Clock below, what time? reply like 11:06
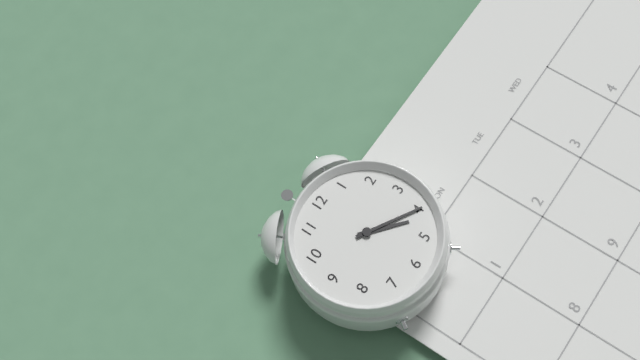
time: 4:20
